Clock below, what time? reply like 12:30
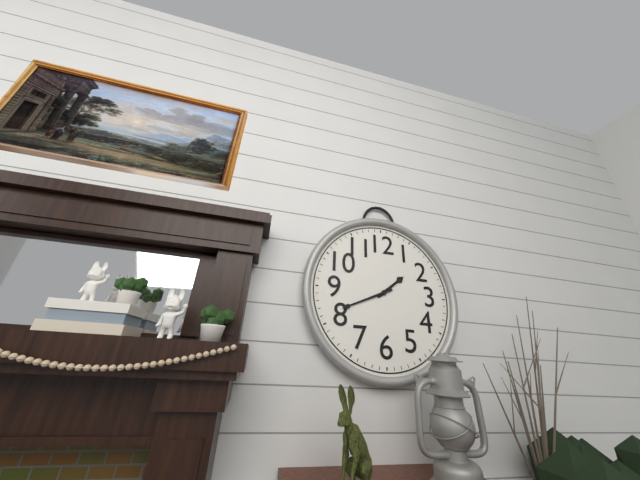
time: 1:41
